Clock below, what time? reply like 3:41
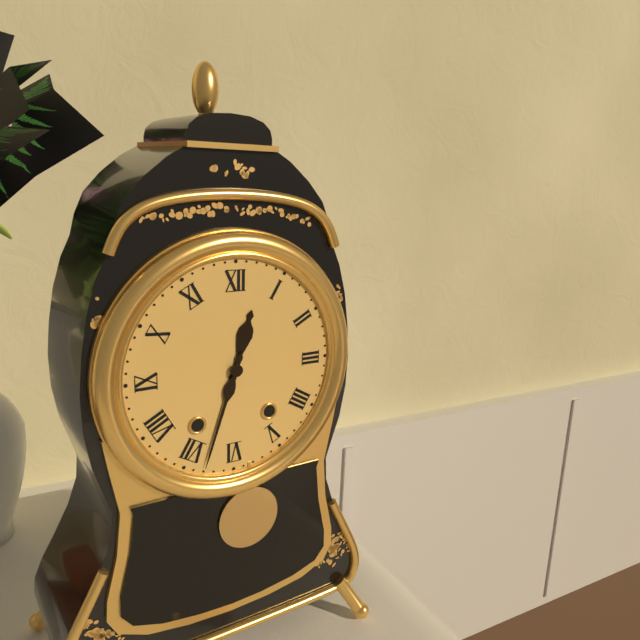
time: 12:33
